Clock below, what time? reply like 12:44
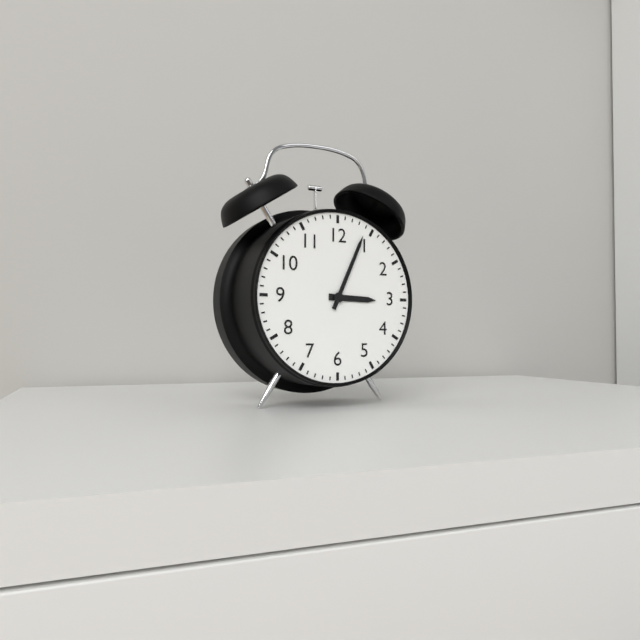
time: 3:04
